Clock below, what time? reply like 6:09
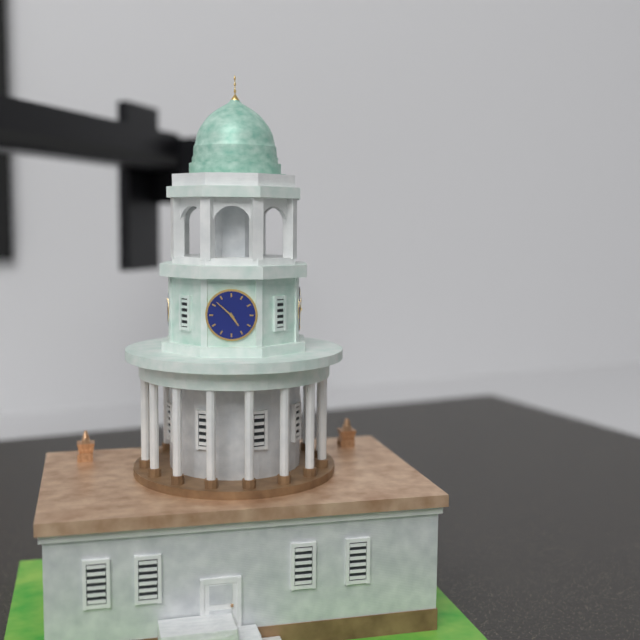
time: 4:52
